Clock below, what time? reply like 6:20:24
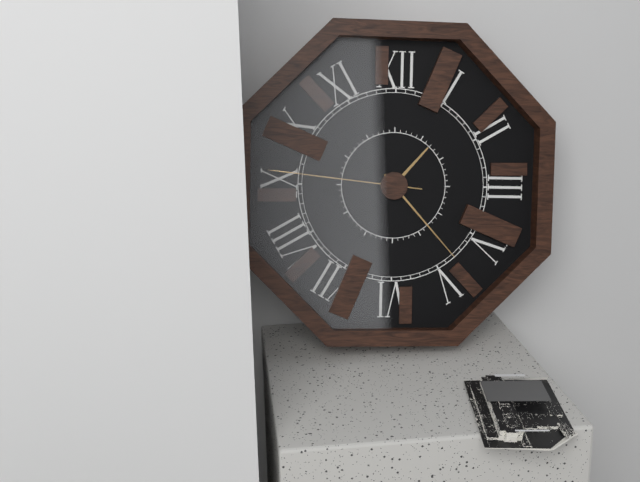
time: 1:23:46
